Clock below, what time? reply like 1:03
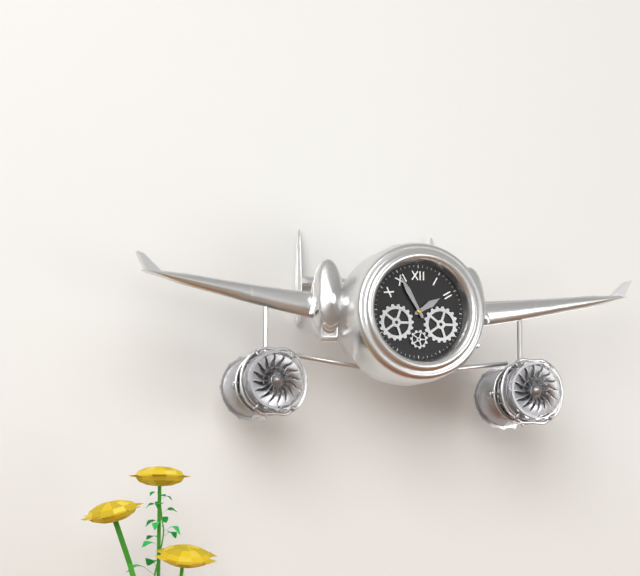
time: 1:55
